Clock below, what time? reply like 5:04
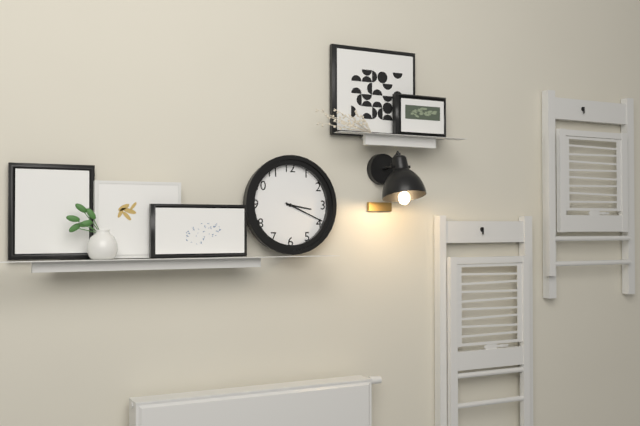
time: 3:19
